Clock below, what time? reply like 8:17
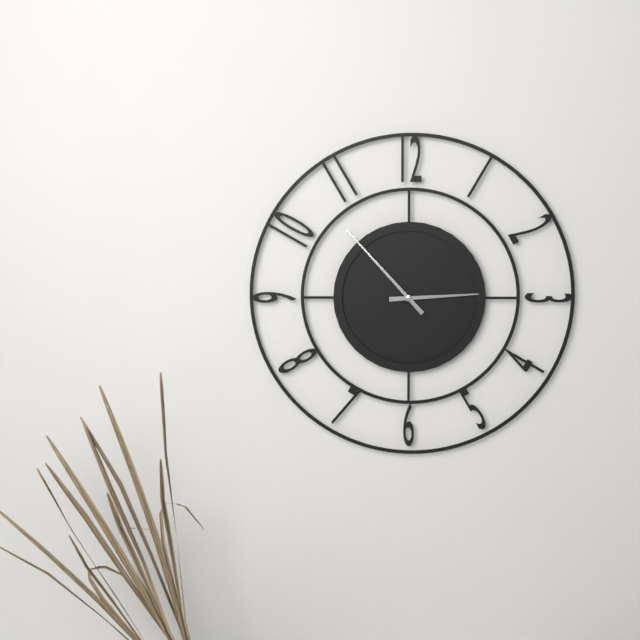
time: 2:53
